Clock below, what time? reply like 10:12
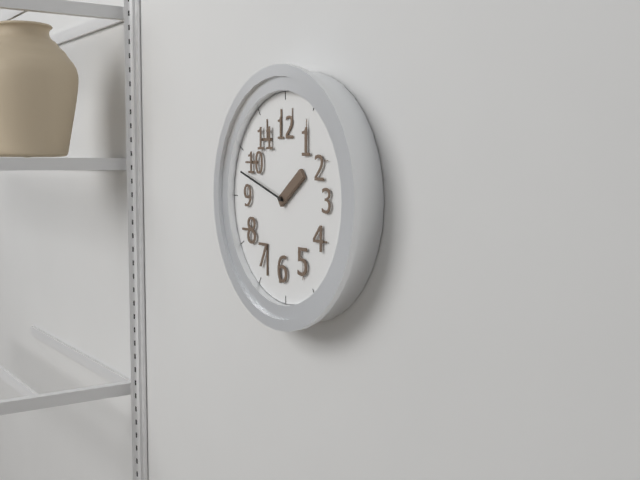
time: 1:48
